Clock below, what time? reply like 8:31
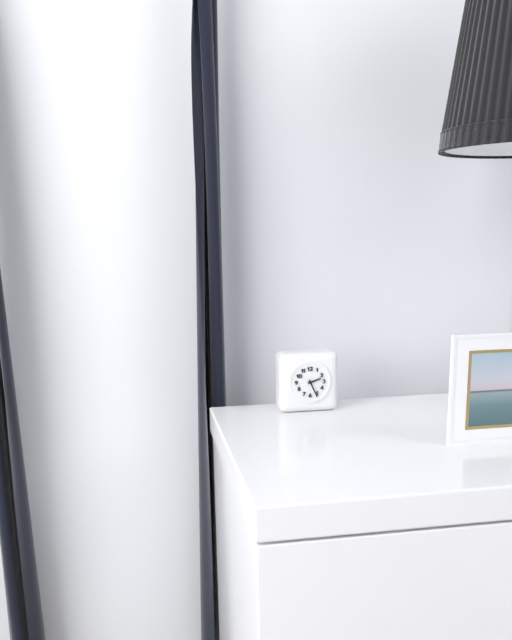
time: 2:26
